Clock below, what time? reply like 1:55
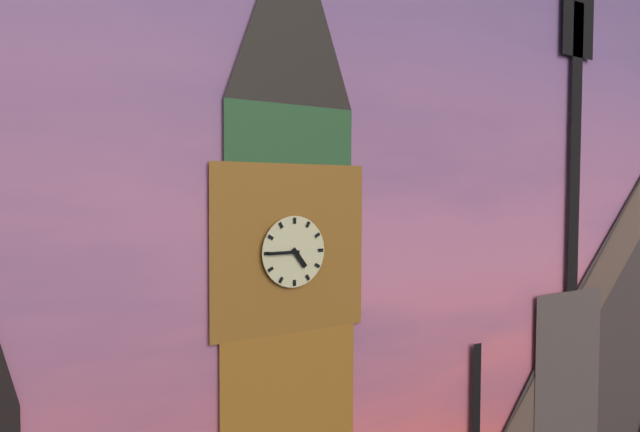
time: 4:45
